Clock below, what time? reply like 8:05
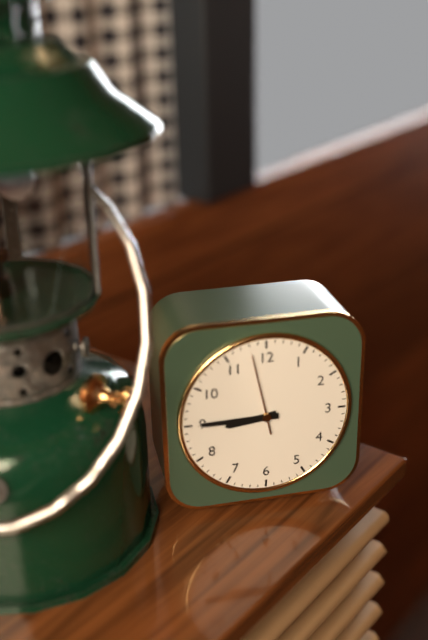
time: 8:45
